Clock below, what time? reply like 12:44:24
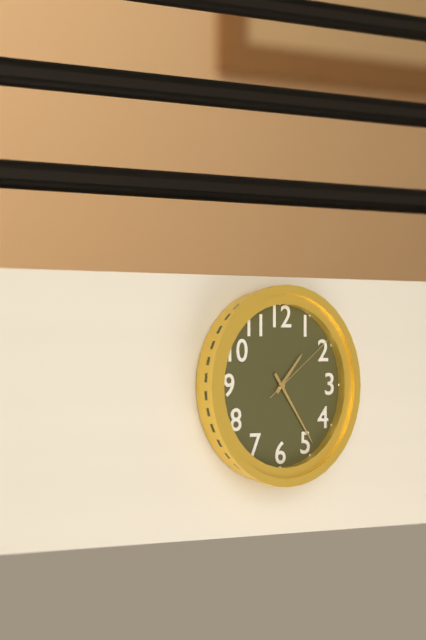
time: 1:24:09
